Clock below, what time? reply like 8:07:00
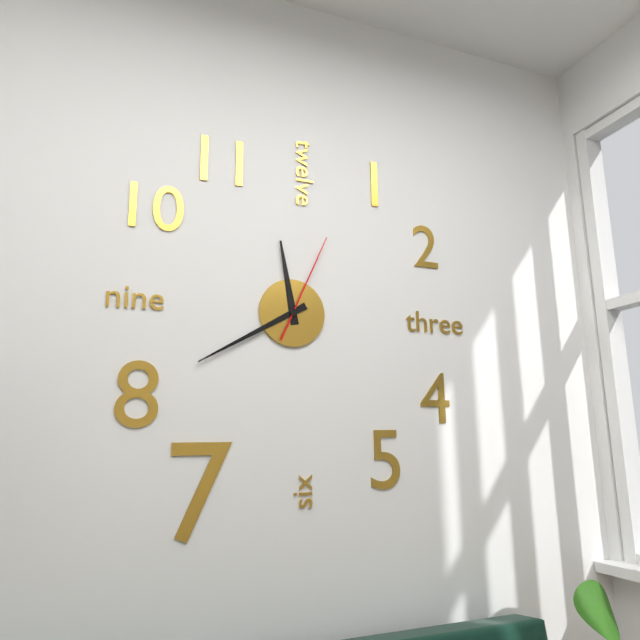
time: 11:40:04
